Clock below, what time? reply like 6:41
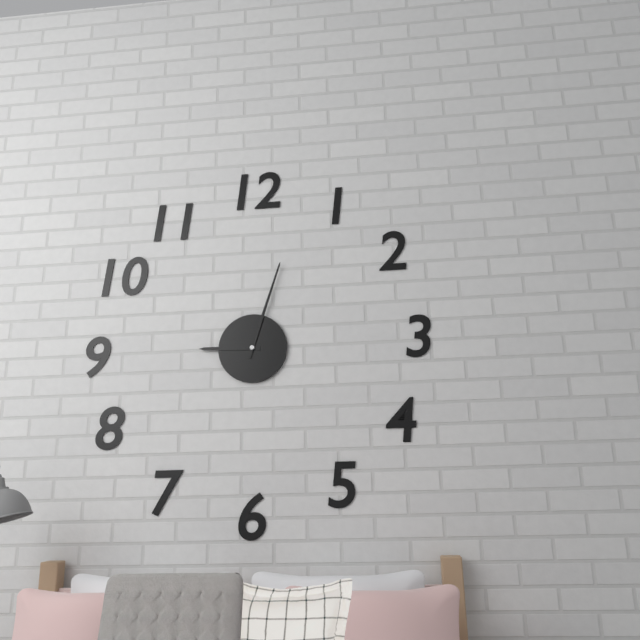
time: 9:03
